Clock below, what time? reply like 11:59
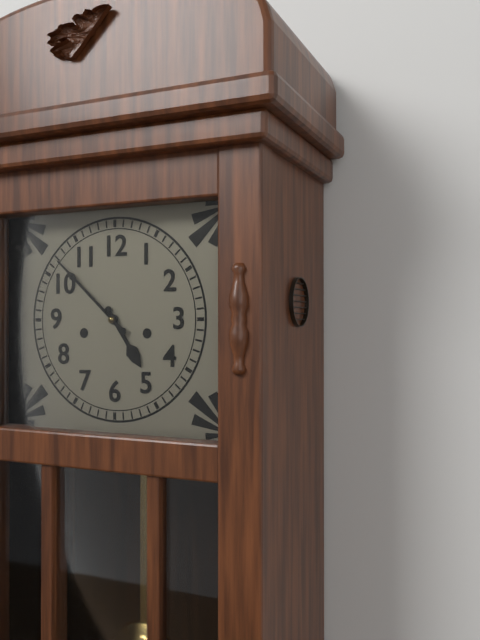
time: 4:52
